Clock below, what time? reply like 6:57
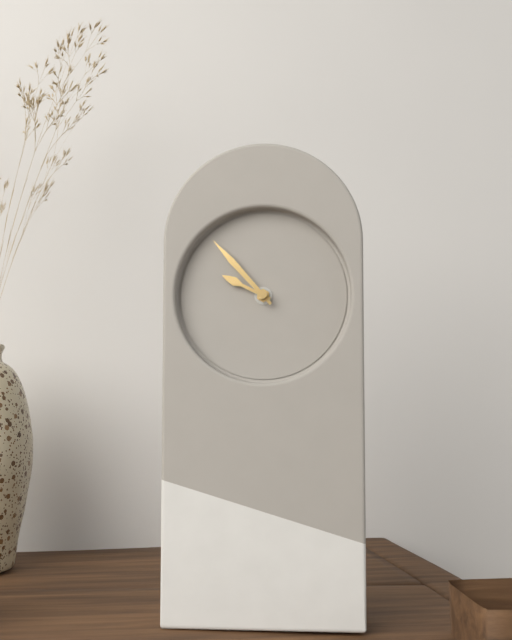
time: 9:53
